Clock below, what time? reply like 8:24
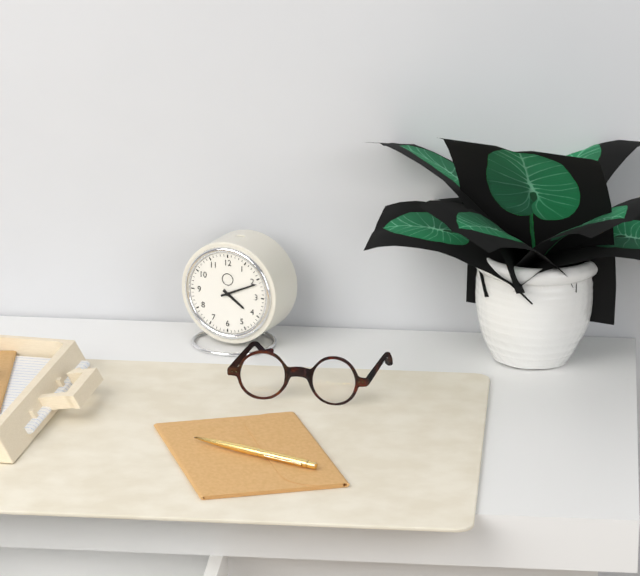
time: 4:11
